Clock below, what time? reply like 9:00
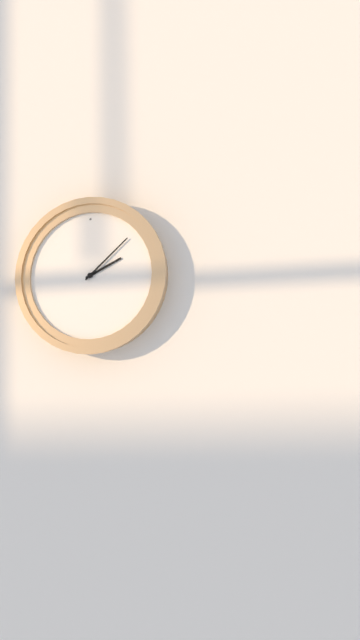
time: 2:08
